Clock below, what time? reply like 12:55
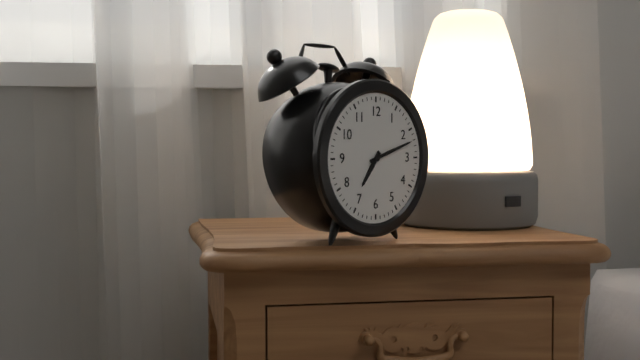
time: 7:12
